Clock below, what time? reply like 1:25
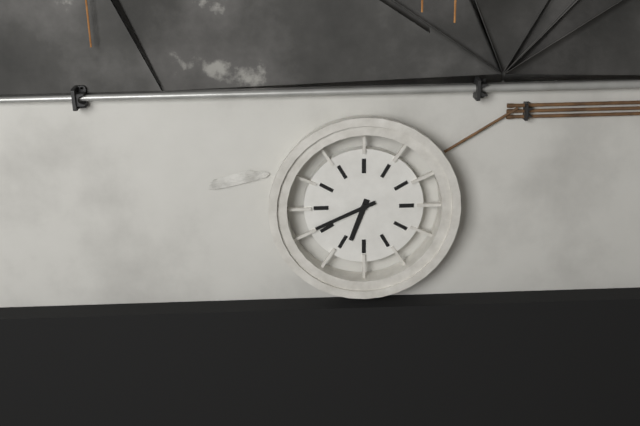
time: 6:41
